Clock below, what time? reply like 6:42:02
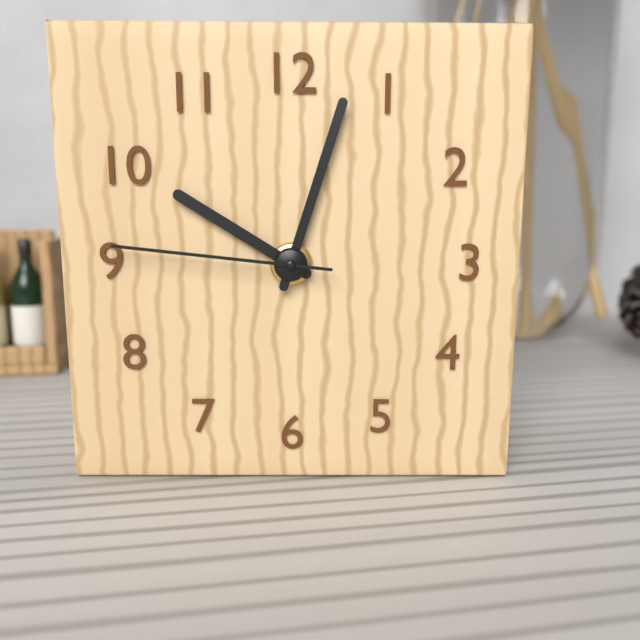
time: 10:03:46
